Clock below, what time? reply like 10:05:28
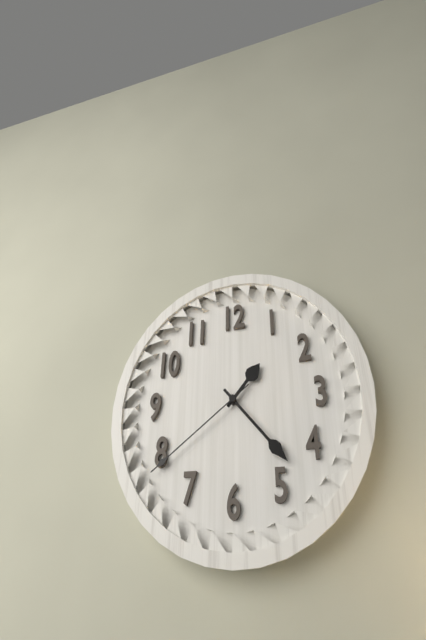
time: 1:23:39
